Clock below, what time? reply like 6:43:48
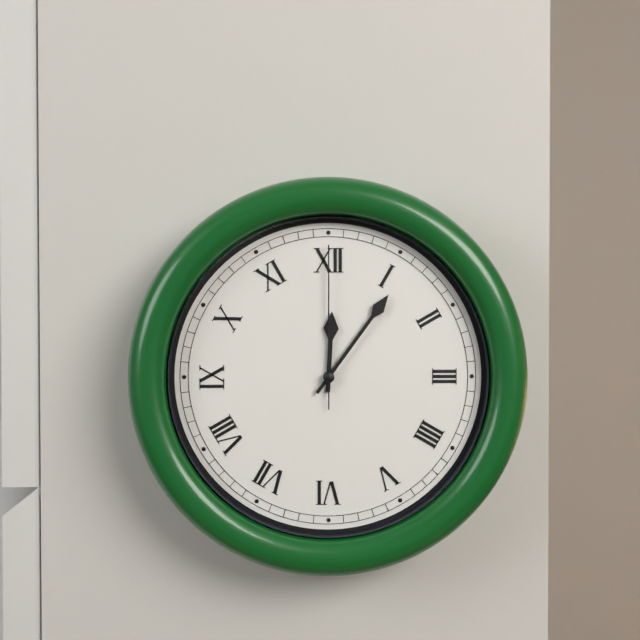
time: 12:06:00
